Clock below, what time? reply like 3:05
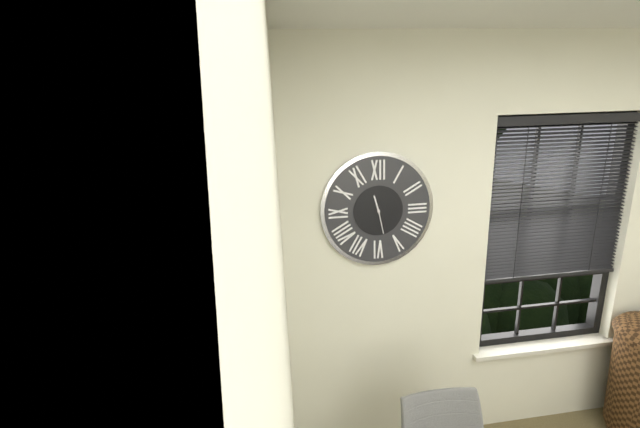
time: 11:28
